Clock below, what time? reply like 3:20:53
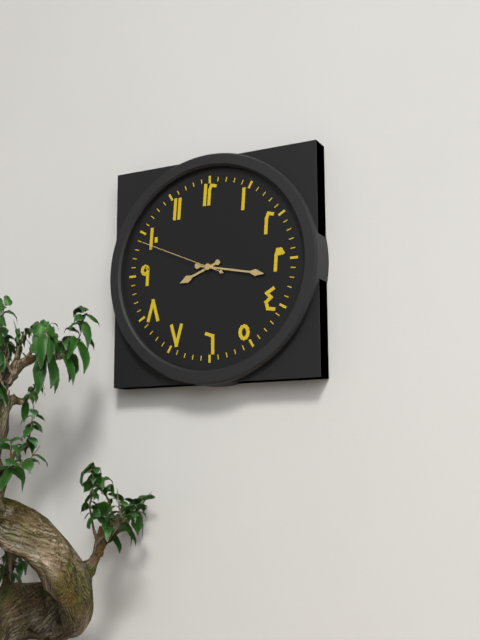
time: 8:17:49
